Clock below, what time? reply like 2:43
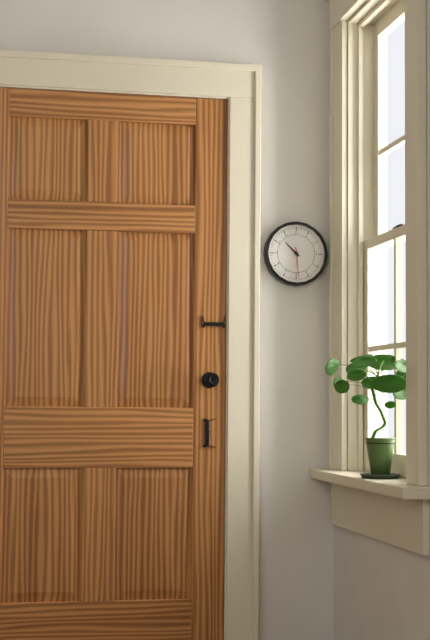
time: 10:29
